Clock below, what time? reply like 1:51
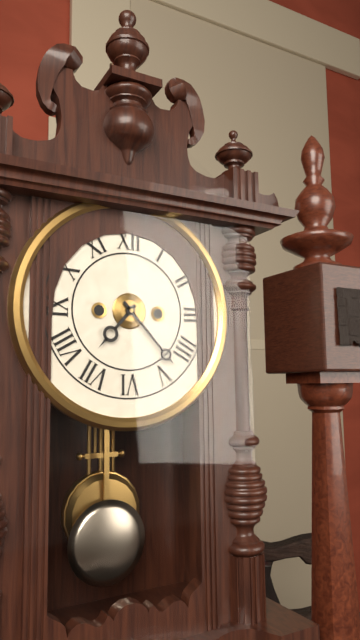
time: 7:23
